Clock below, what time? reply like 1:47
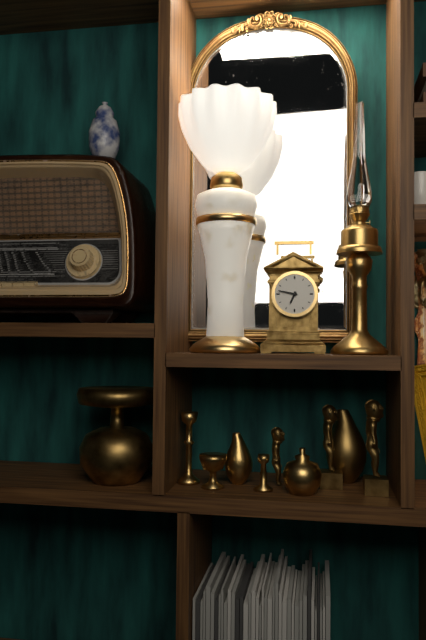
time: 6:47
